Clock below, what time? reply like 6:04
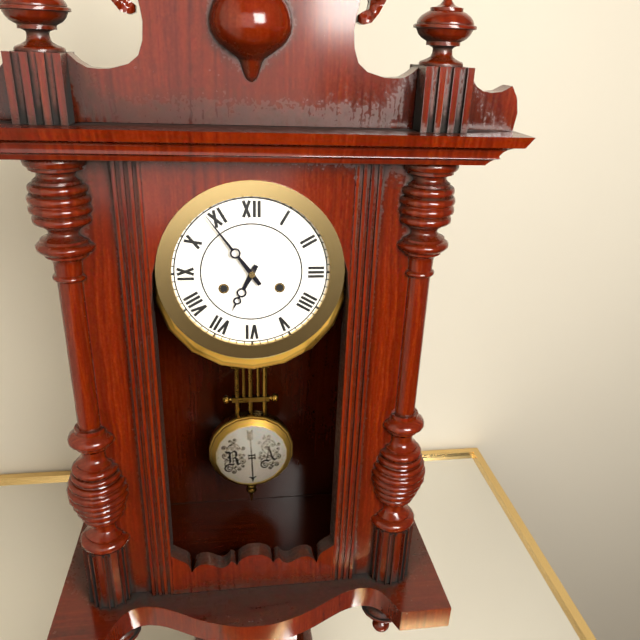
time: 6:54
